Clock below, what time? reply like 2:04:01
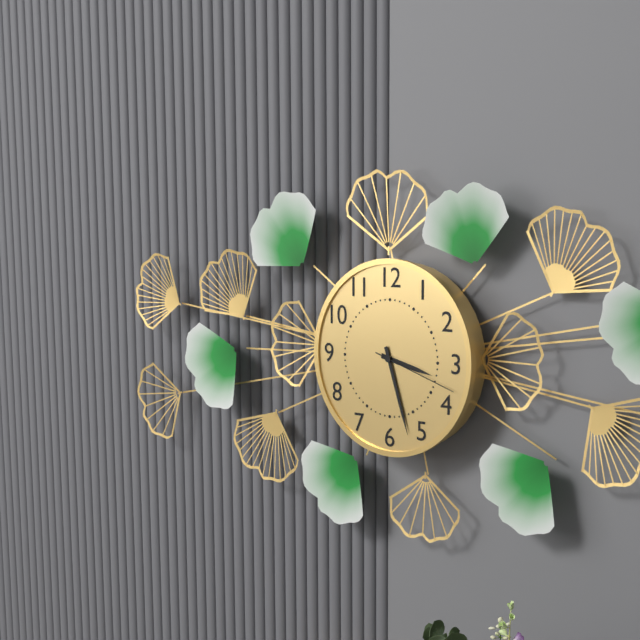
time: 3:27:18
